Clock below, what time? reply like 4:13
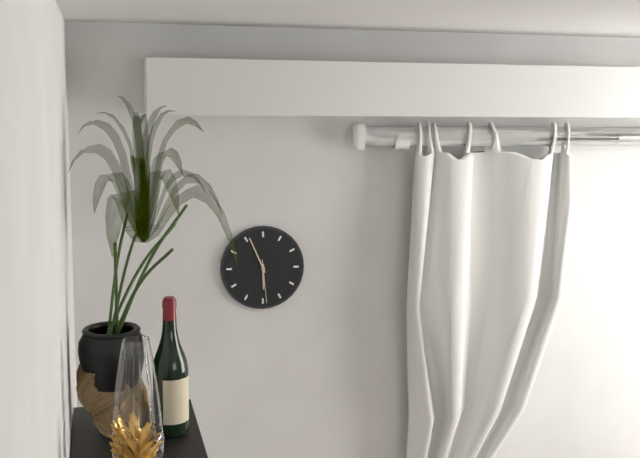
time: 5:56
